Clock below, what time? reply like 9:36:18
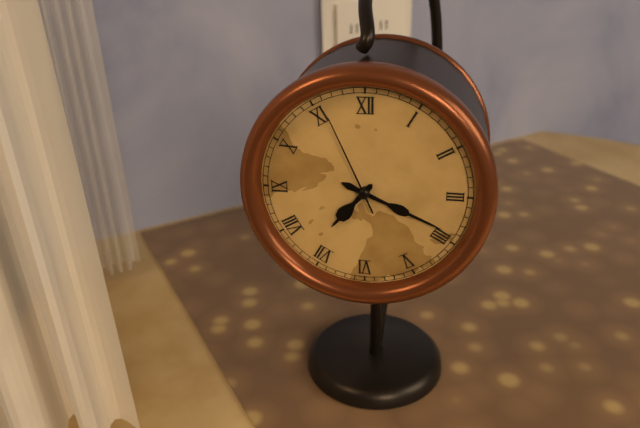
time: 7:19:56
